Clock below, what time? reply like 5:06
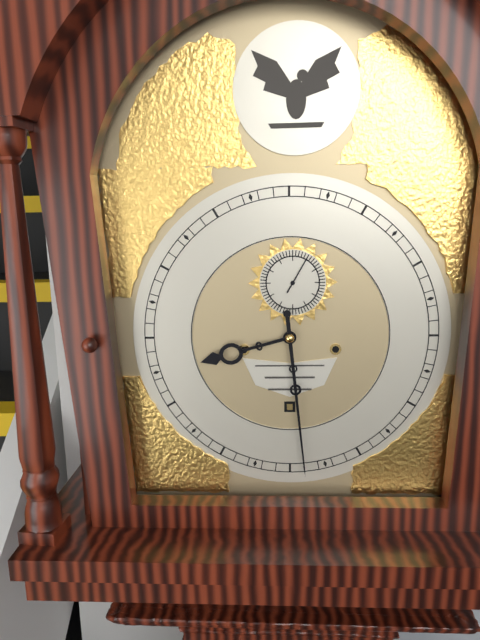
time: 8:29
